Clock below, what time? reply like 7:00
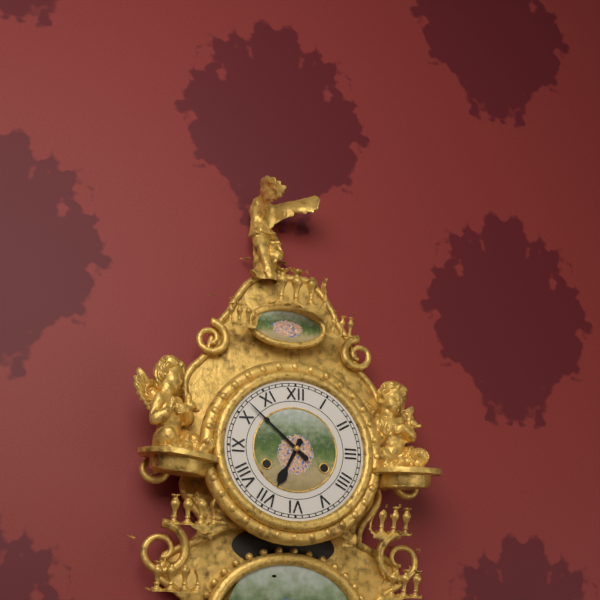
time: 6:52
